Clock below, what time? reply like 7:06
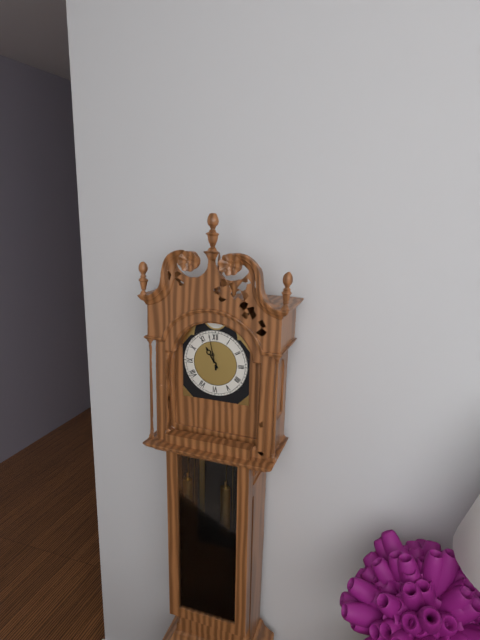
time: 10:58
